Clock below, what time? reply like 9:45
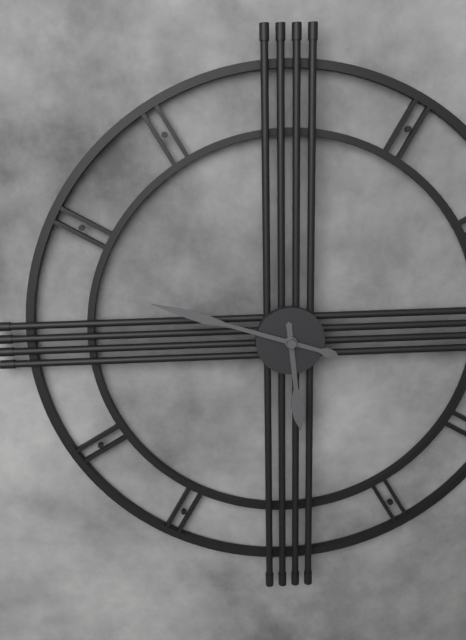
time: 5:48
